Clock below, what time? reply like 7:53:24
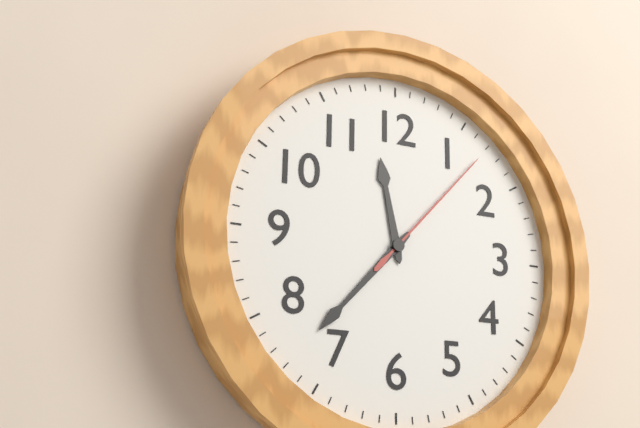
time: 11:37:07
